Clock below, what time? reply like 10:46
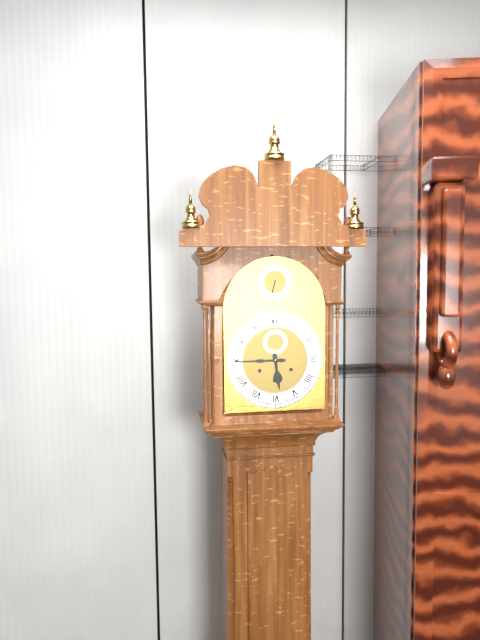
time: 5:45
